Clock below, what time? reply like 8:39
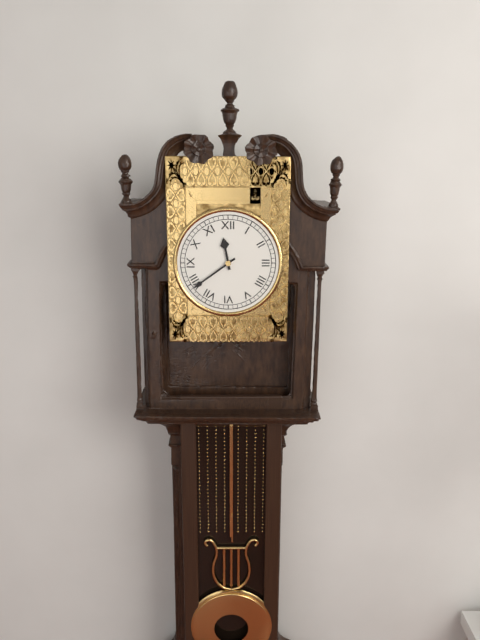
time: 11:39
